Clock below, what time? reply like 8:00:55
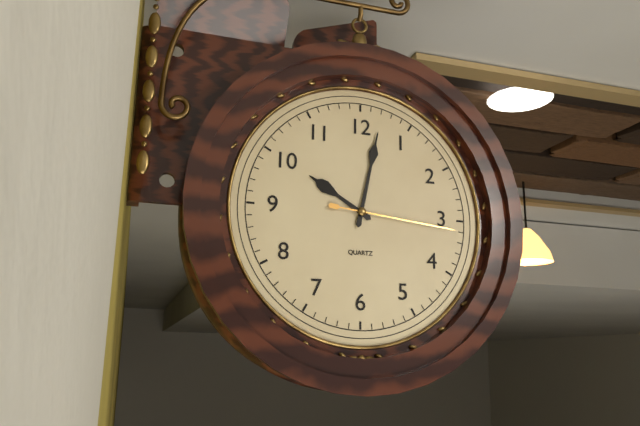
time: 10:02:16
